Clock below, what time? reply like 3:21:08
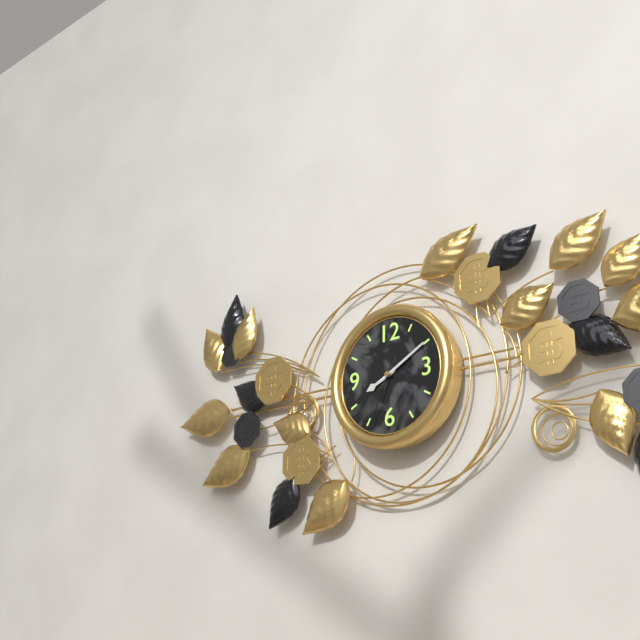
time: 8:10:34
